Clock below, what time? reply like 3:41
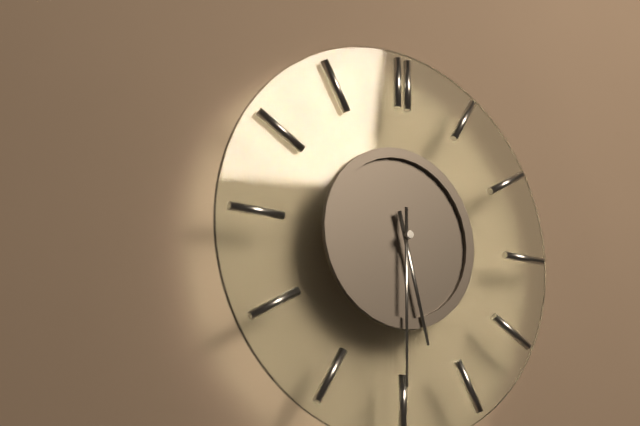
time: 5:30
